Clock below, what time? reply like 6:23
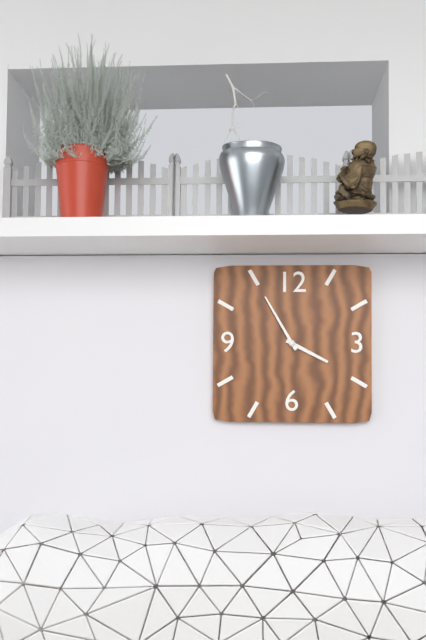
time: 3:55
